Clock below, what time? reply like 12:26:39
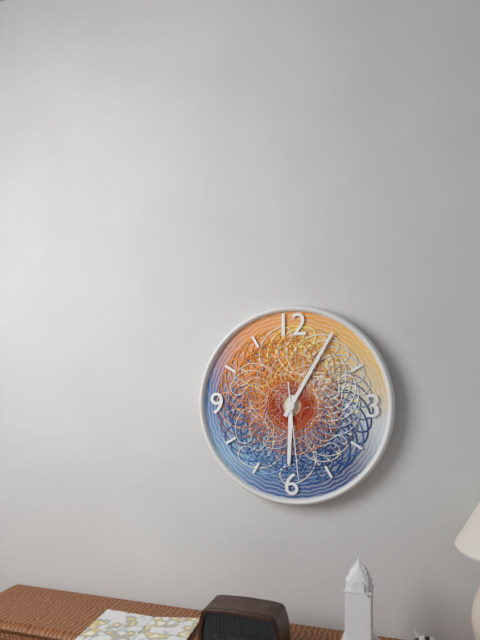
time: 6:05:29
